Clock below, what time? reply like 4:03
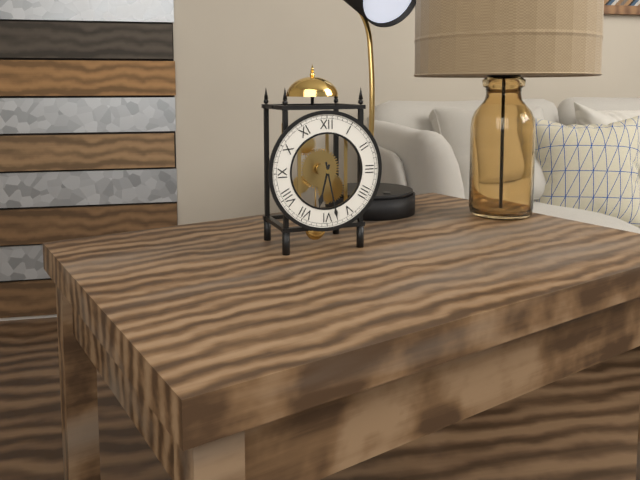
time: 6:28
